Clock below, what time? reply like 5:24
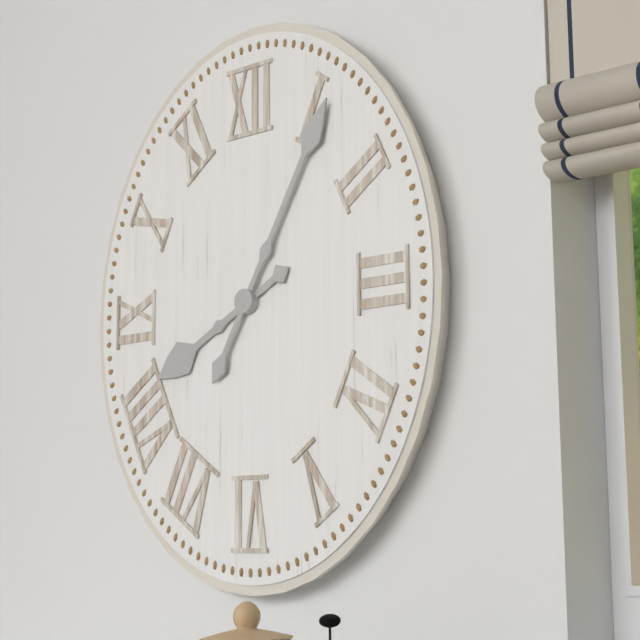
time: 8:05
